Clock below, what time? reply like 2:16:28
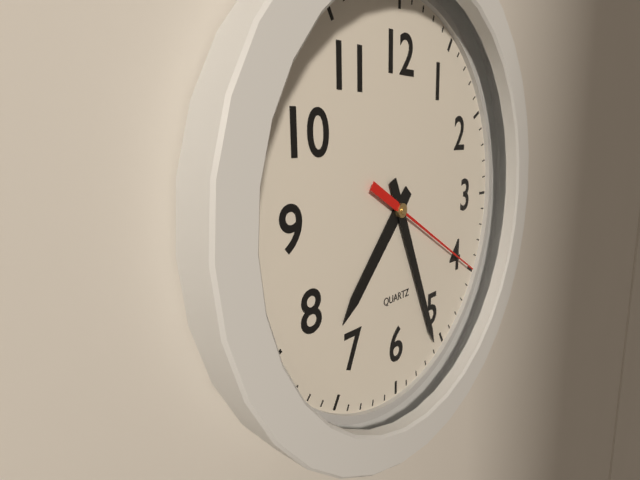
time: 7:26:20
